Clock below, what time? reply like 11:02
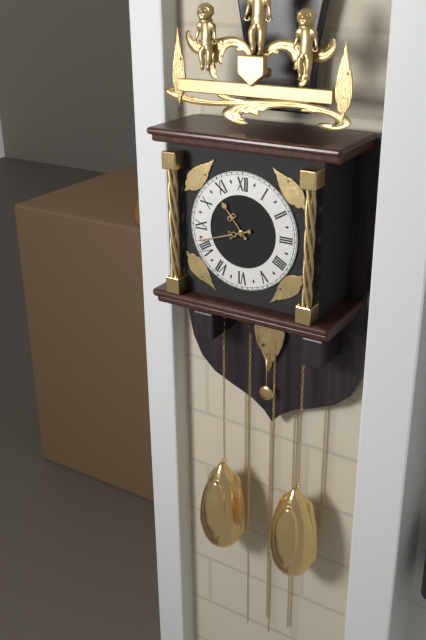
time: 10:42
